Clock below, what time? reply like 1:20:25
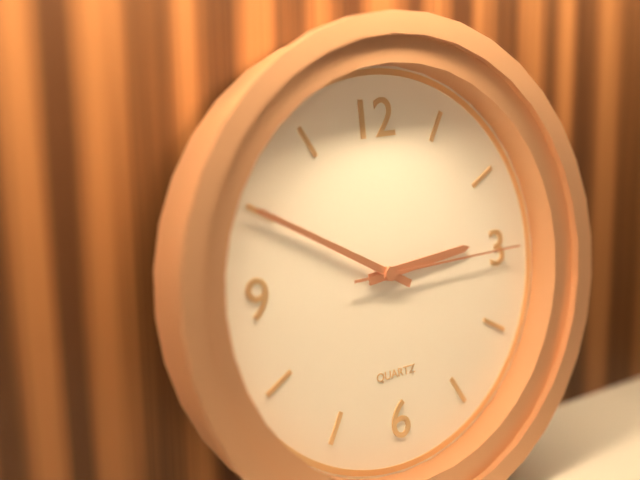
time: 2:50:15
